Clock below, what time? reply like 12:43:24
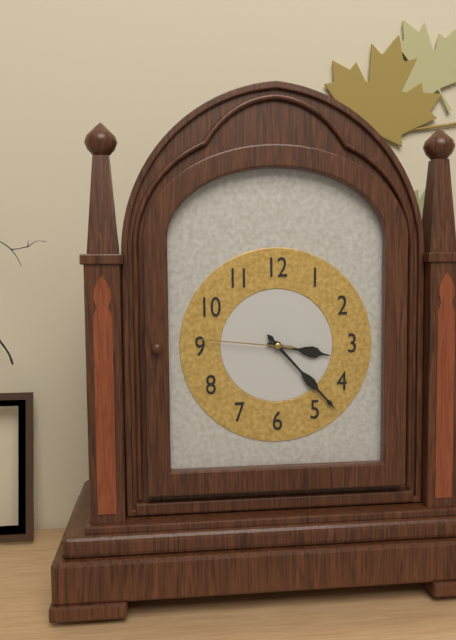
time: 3:23:46
